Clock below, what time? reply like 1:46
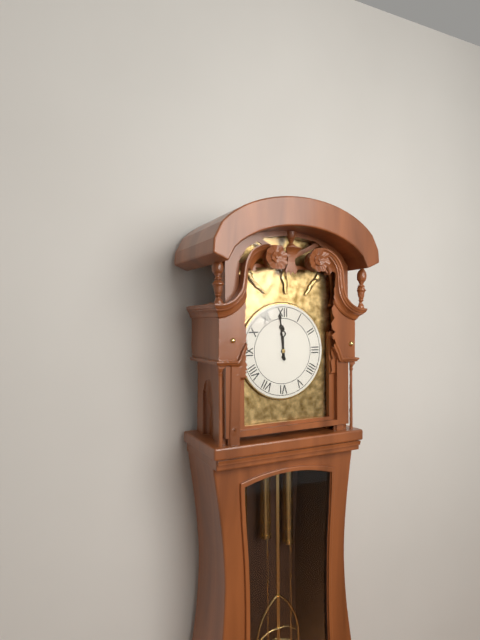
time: 11:59
